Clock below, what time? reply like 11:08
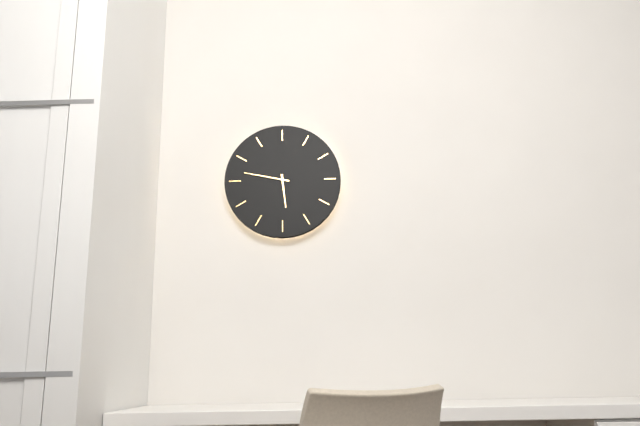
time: 5:47
